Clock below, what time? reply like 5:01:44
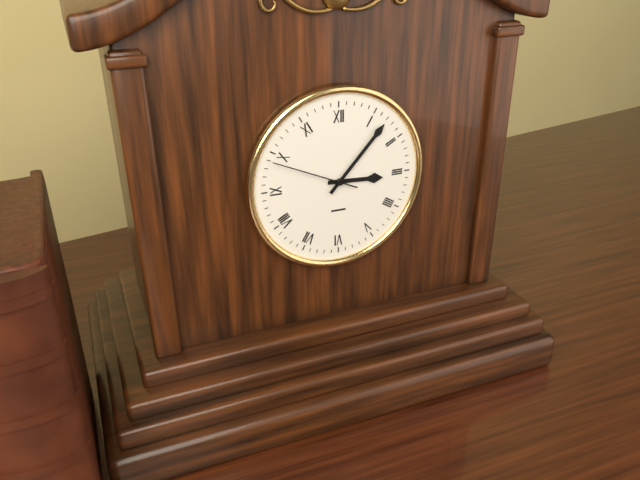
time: 3:07:49
